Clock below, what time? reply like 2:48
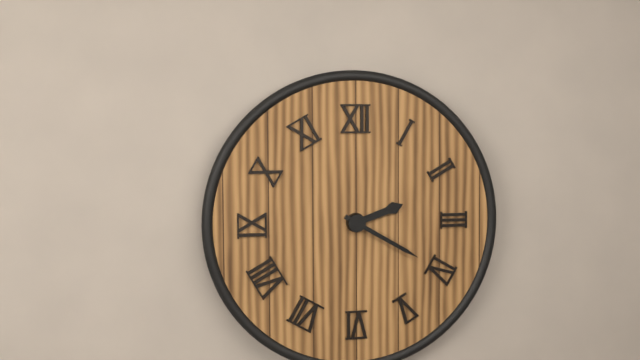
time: 2:20
